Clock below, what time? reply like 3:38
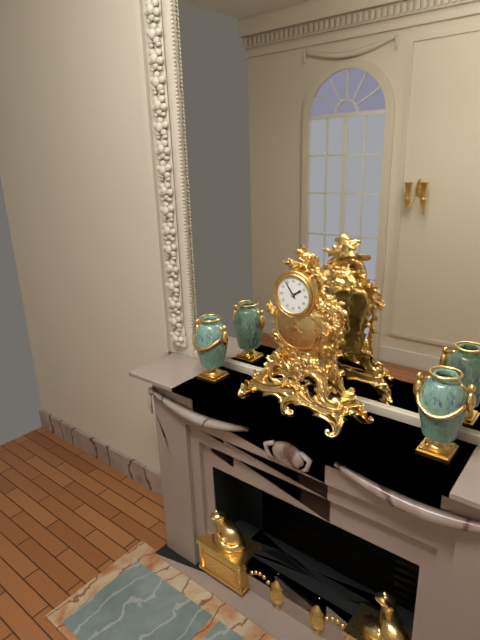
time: 1:54
